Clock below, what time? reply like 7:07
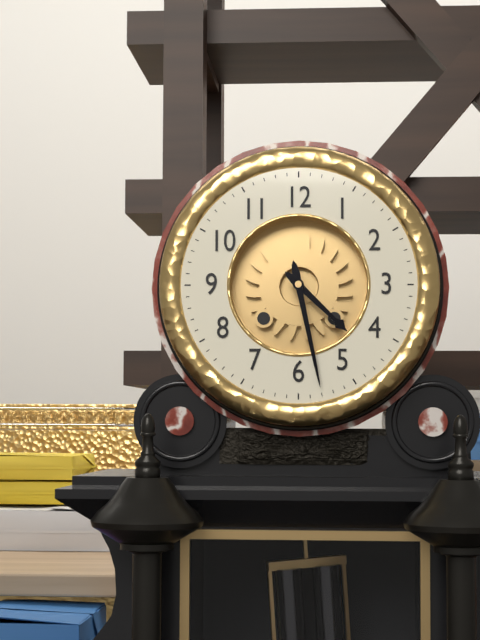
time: 4:28
